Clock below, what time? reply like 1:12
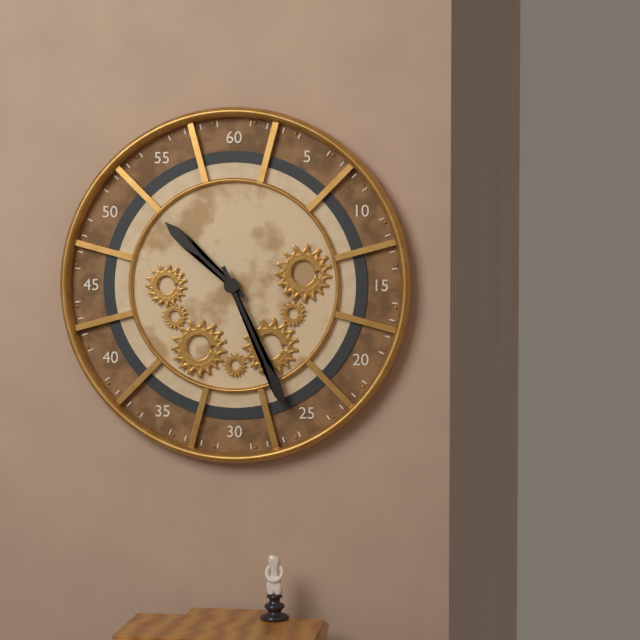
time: 10:26
